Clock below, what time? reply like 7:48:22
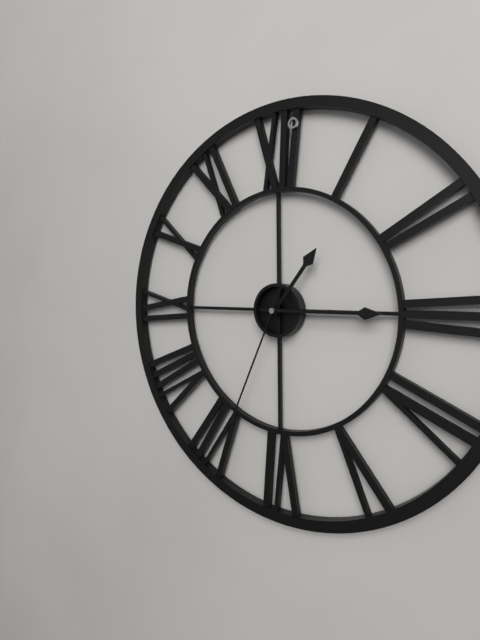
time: 1:15:34
